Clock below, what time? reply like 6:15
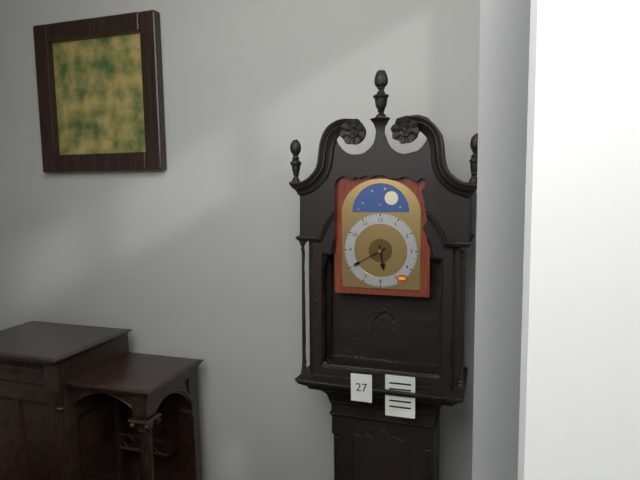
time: 5:40
